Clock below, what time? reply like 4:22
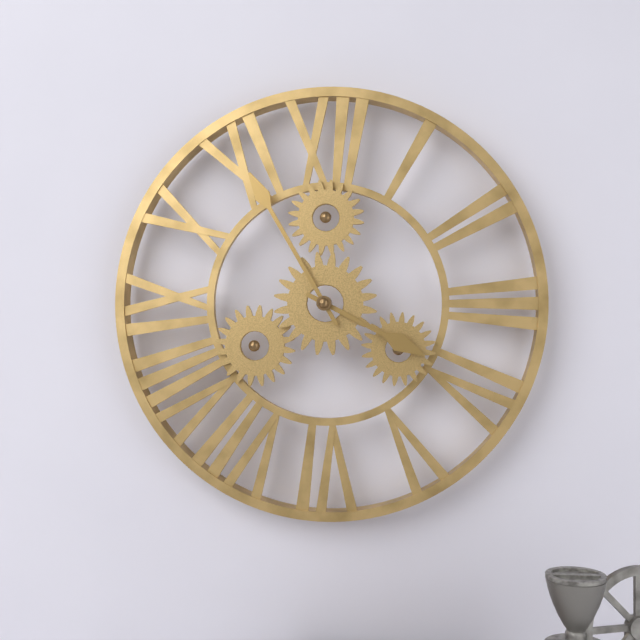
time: 3:55
